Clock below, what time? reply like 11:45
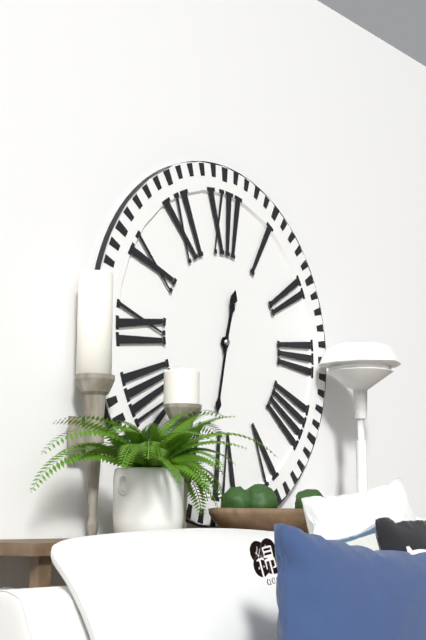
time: 12:32
